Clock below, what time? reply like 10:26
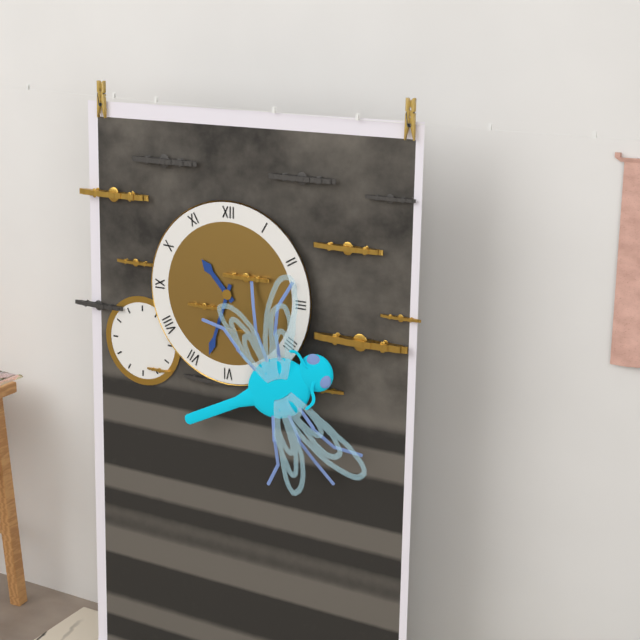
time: 10:33
